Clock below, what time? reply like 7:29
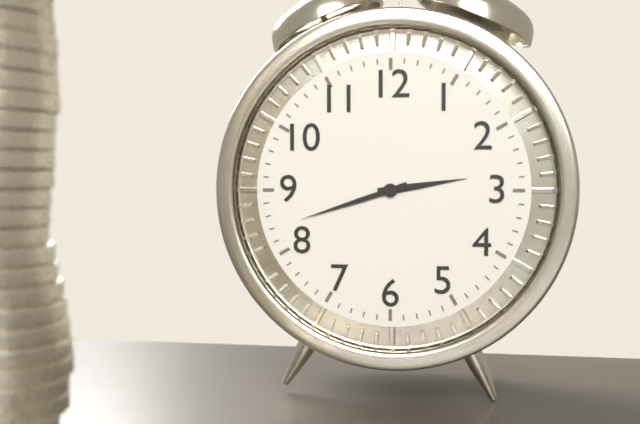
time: 2:42
